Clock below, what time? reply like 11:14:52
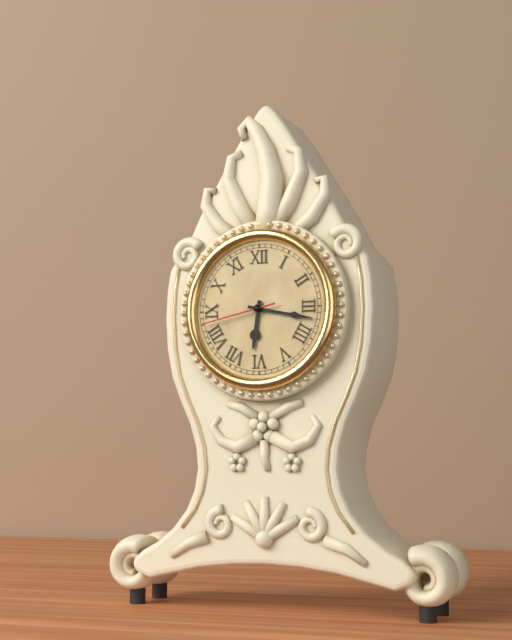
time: 6:17:43
